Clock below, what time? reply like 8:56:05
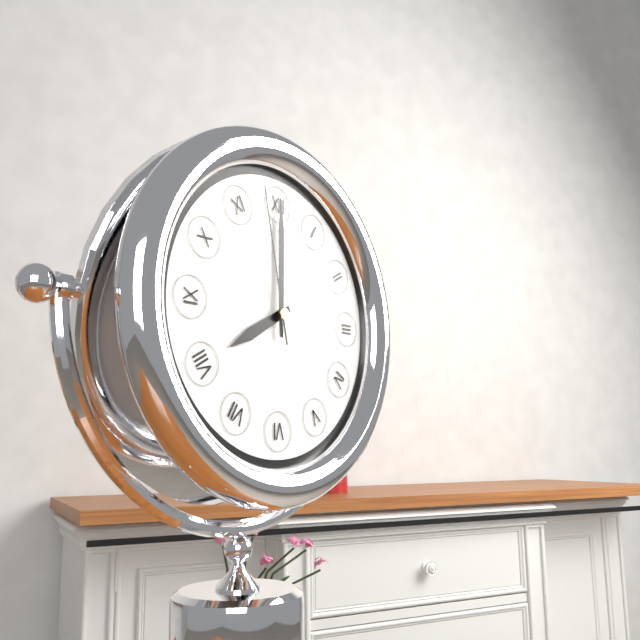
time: 8:00:58
